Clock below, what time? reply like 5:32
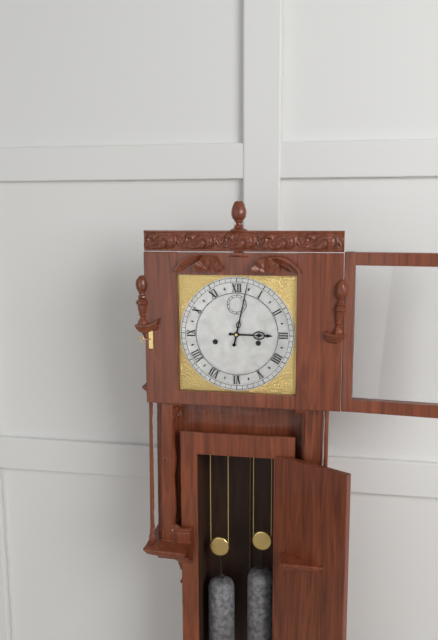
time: 3:02
